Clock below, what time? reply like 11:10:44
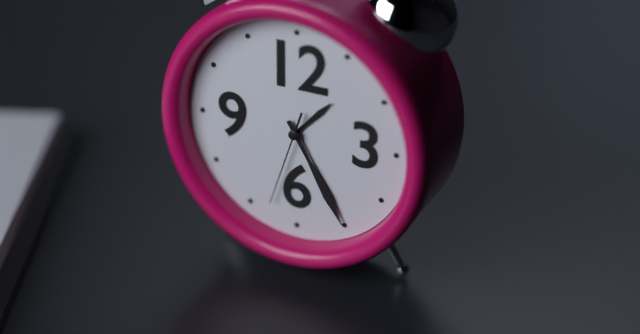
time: 1:25:33
